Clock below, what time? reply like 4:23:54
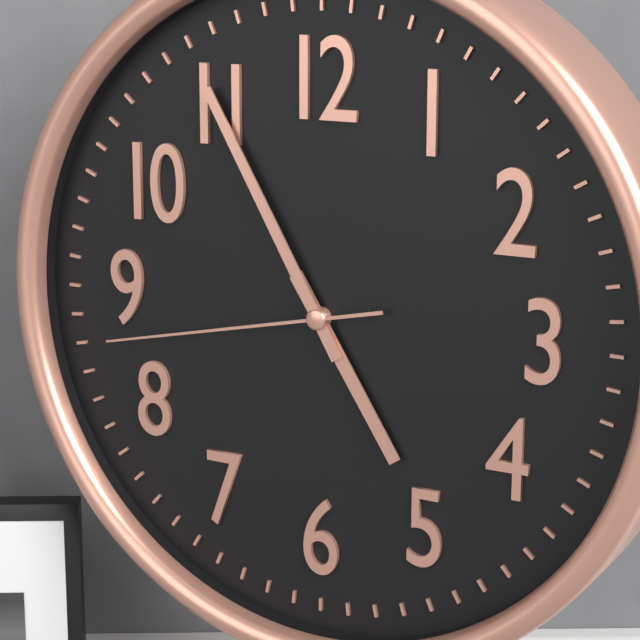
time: 4:55:43
